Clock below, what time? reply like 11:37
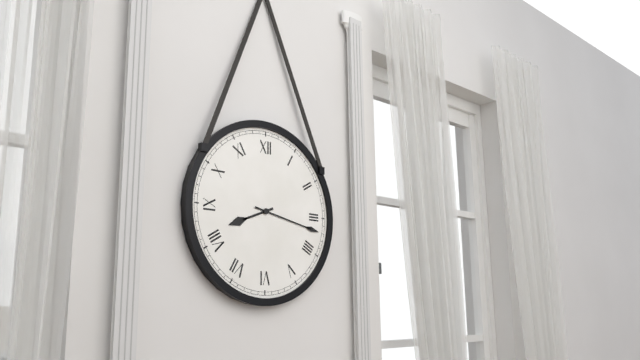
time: 8:17
